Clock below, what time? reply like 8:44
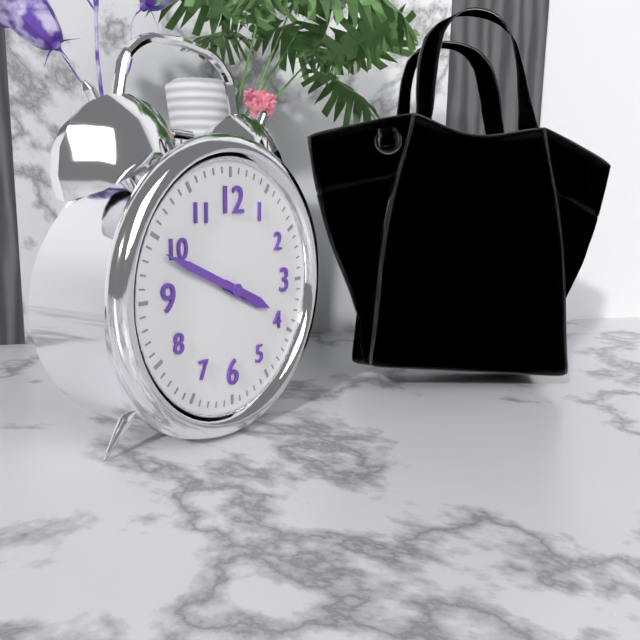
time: 3:49
